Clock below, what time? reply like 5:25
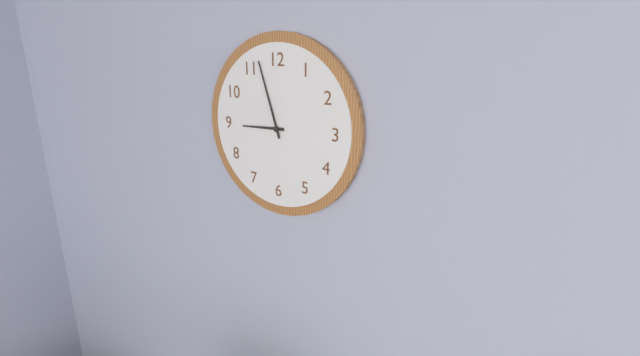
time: 8:57
